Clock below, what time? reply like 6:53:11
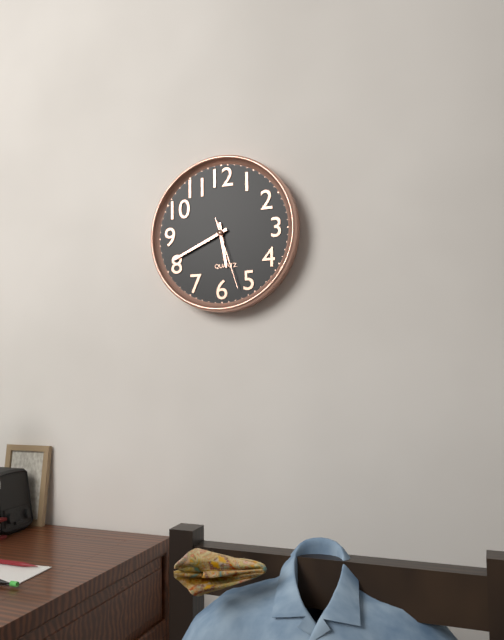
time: 5:41:27
